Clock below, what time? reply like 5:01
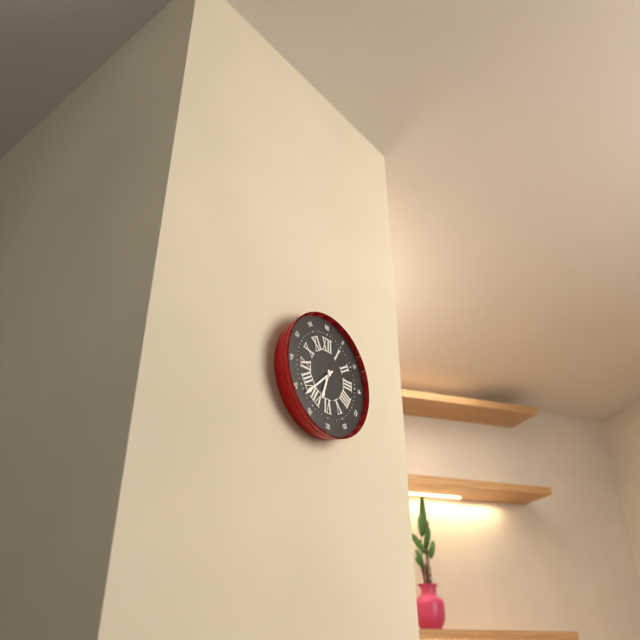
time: 6:38
